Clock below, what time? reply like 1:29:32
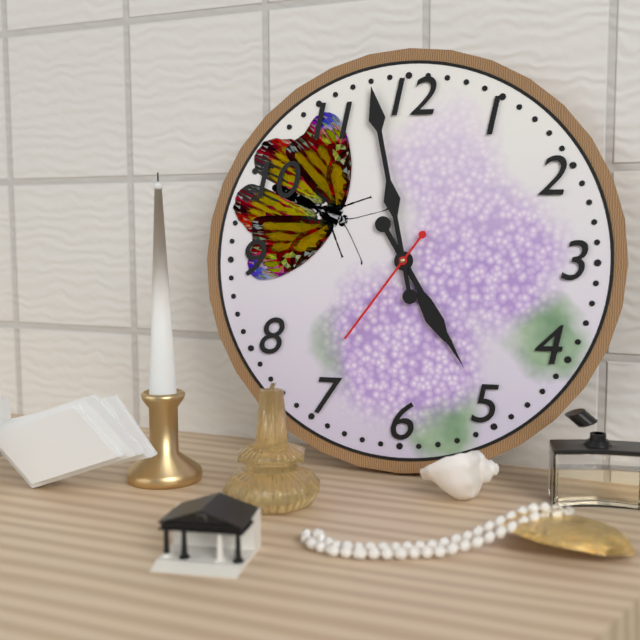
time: 4:58:36
